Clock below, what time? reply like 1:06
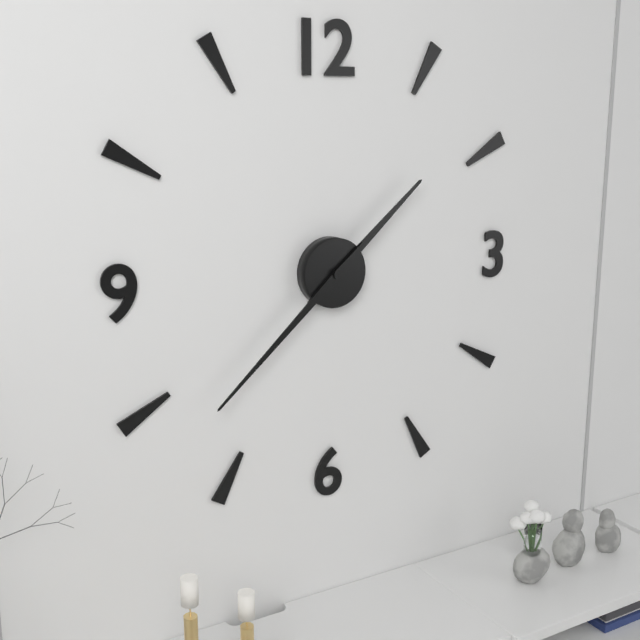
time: 1:38
